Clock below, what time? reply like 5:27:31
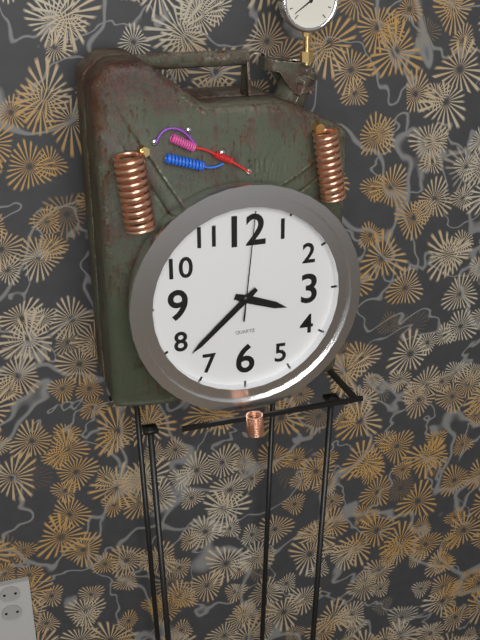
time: 3:38:01
